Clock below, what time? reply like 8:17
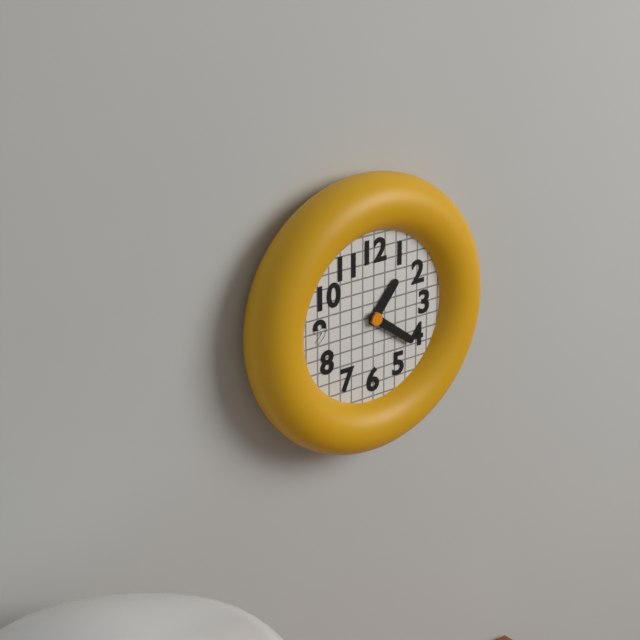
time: 1:21
